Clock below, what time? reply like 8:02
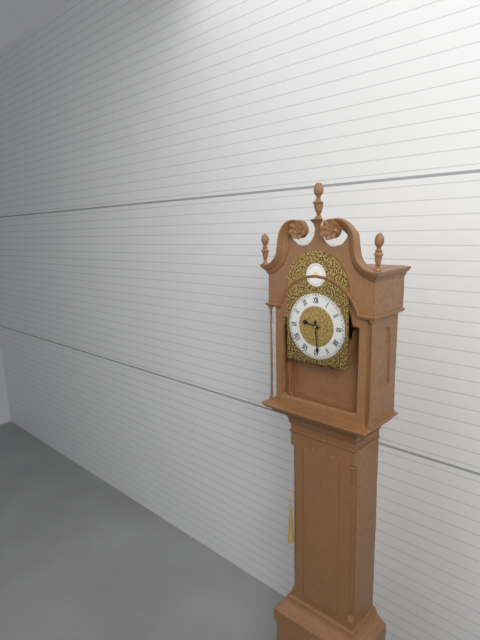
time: 9:29
